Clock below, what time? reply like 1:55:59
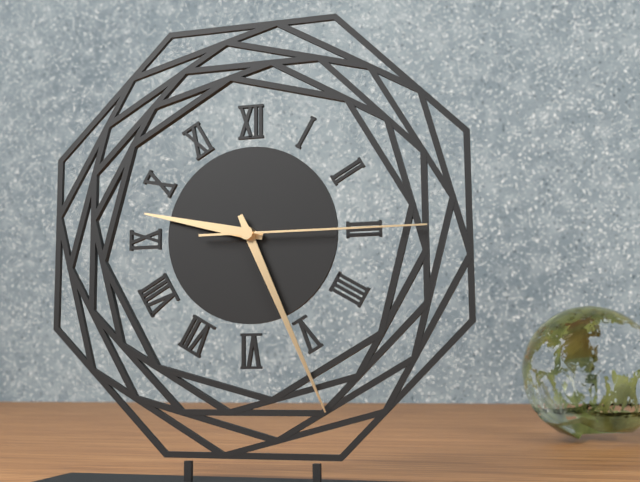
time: 9:26:15
